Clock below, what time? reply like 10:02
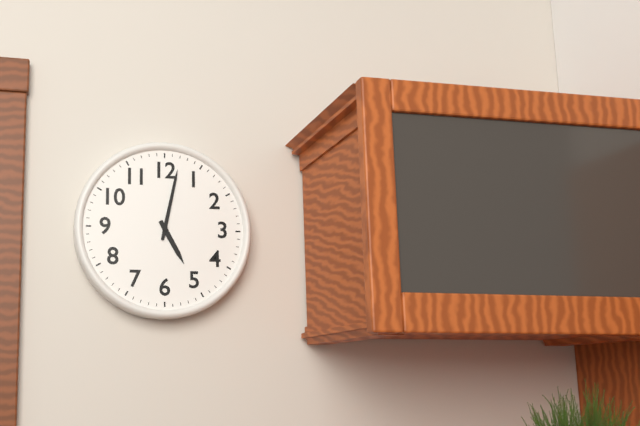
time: 5:02
